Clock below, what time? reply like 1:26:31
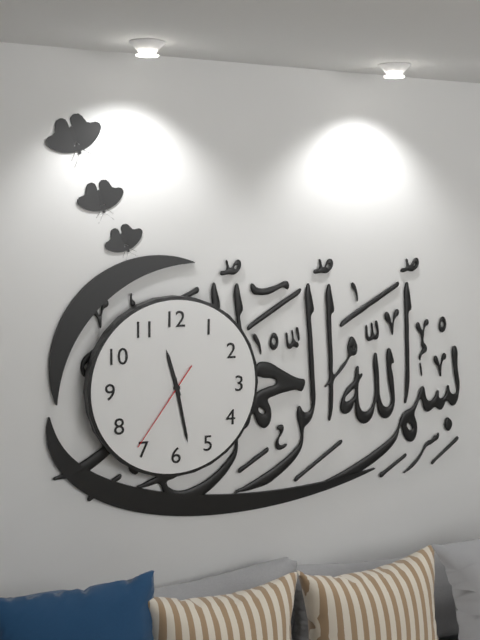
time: 11:28:36
